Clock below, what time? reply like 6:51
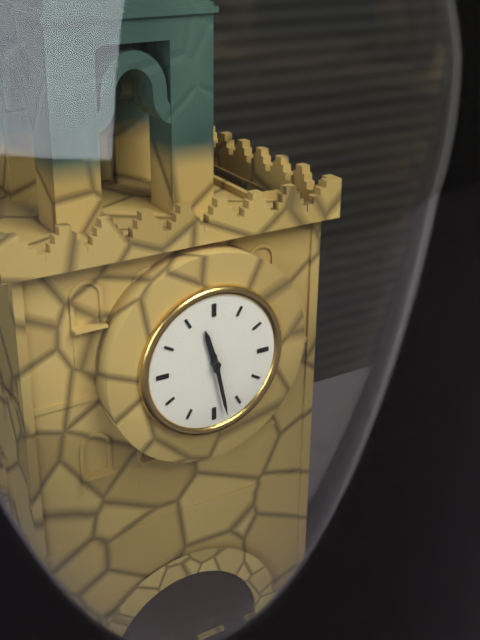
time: 11:28
